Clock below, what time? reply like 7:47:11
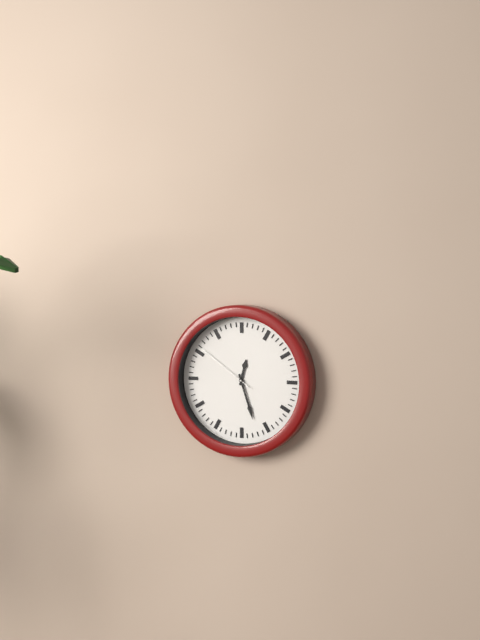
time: 12:27:51
